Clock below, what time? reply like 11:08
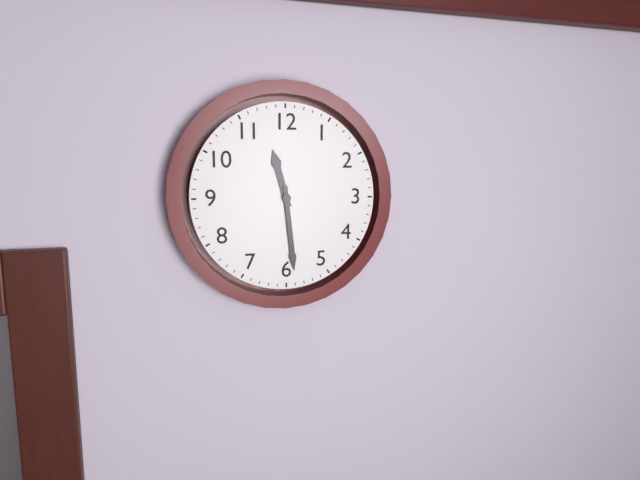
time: 11:29
